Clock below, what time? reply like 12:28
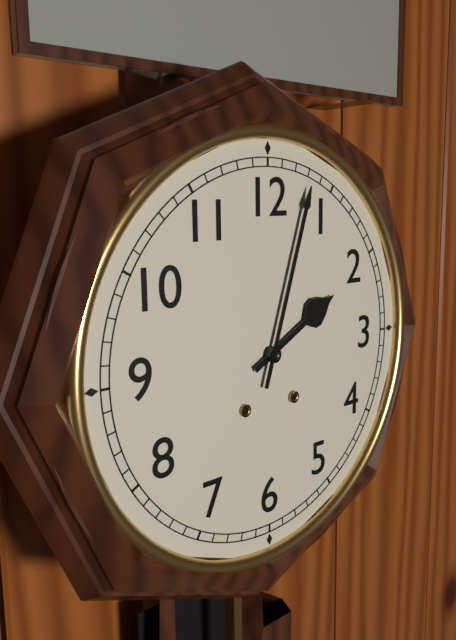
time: 2:03
